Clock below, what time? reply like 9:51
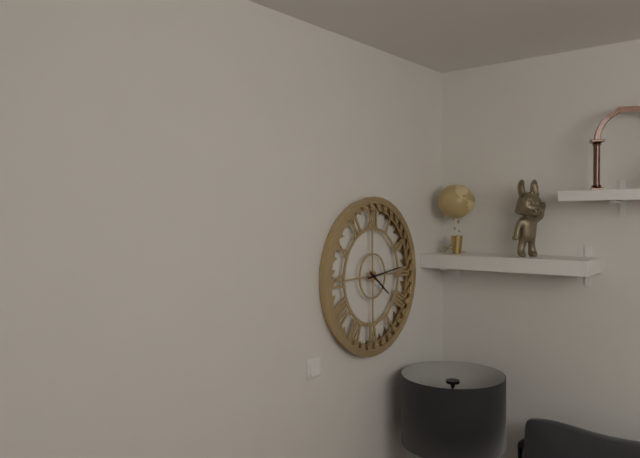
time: 4:14
